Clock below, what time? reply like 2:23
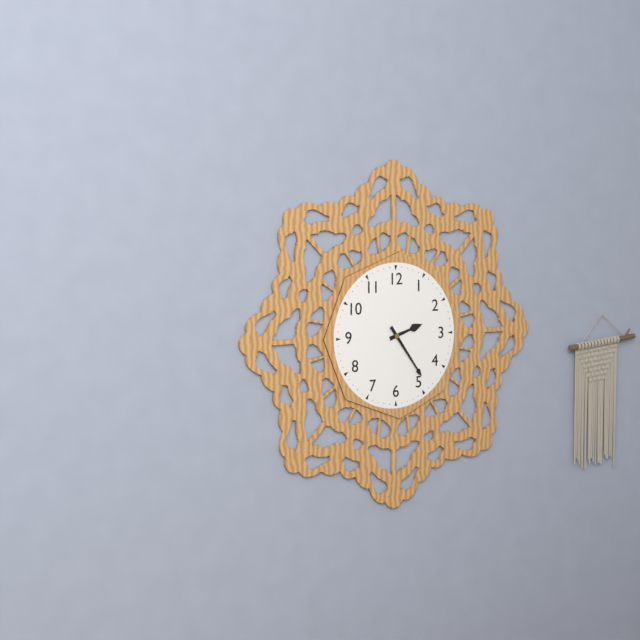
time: 2:24
